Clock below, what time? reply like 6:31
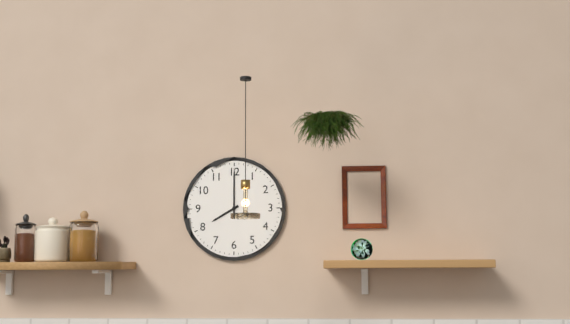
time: 8:00
